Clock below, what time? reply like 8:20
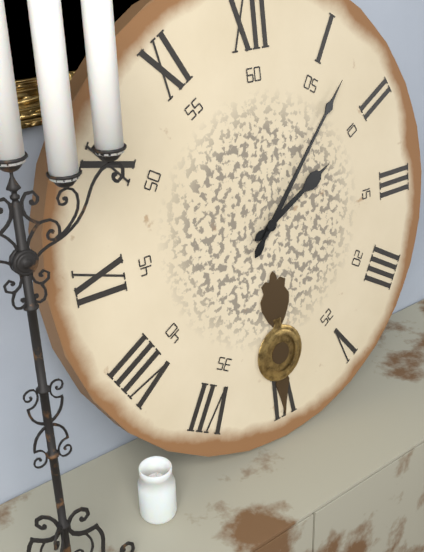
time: 2:07
